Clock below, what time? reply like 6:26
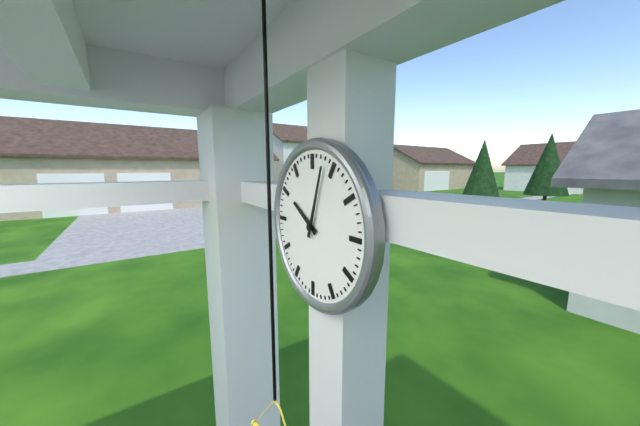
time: 10:03
